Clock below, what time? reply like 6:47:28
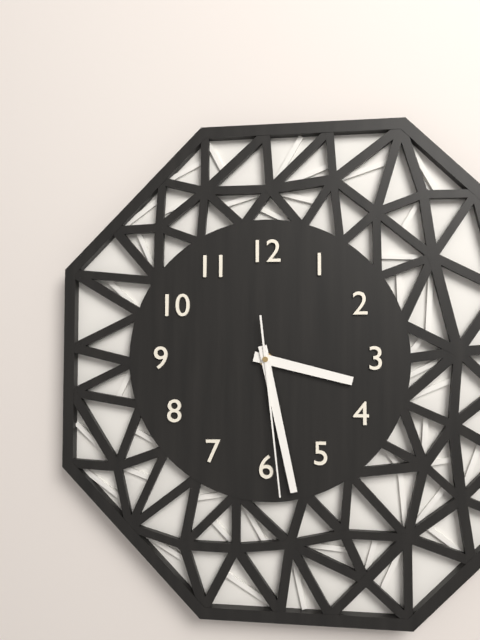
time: 3:28:29
